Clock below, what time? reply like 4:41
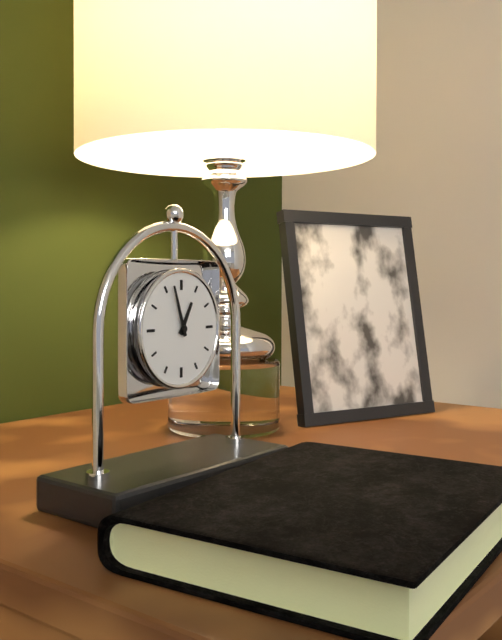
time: 12:57
